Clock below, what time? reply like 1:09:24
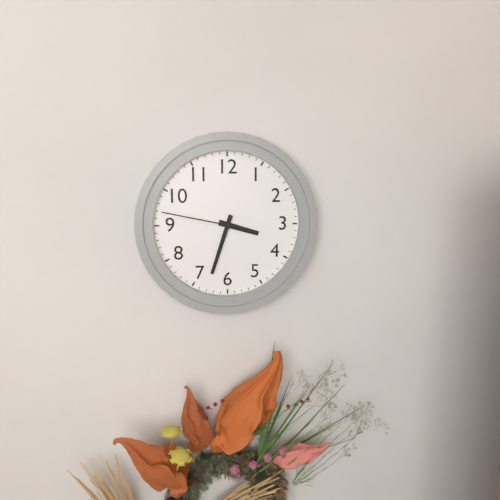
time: 3:33:47
